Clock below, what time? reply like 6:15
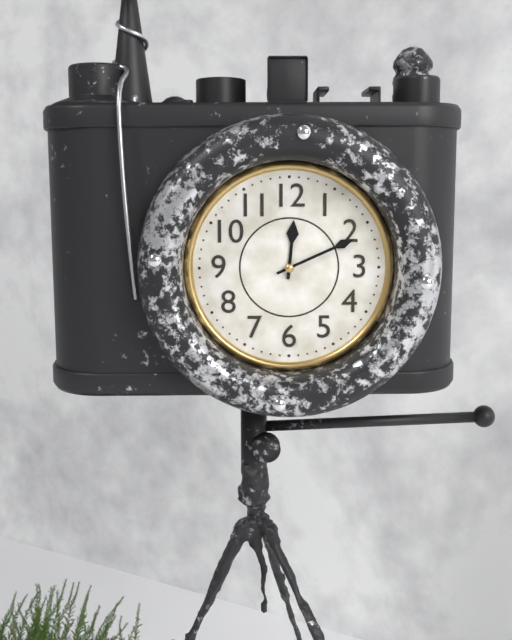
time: 12:11
